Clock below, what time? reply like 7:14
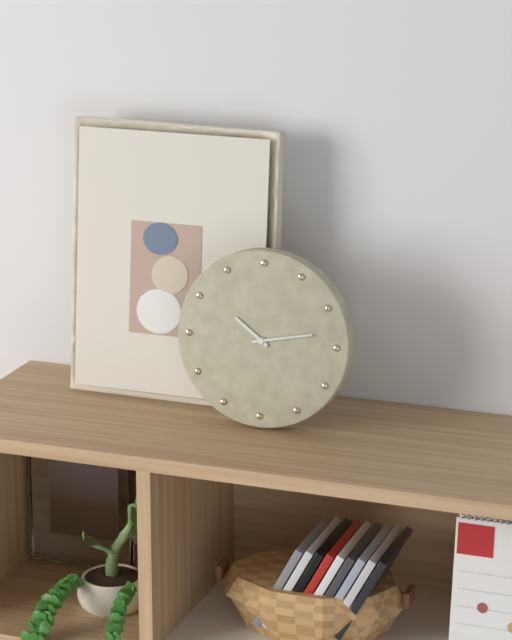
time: 10:13
